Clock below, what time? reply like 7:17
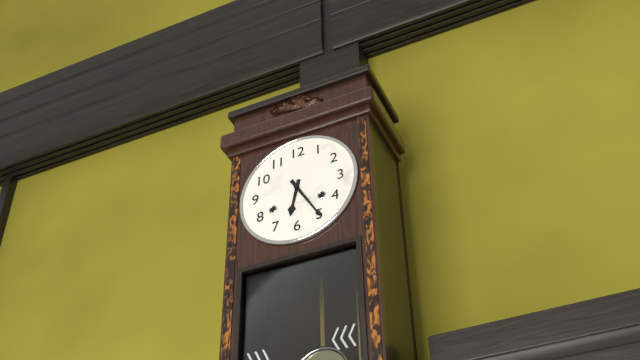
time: 6:25
